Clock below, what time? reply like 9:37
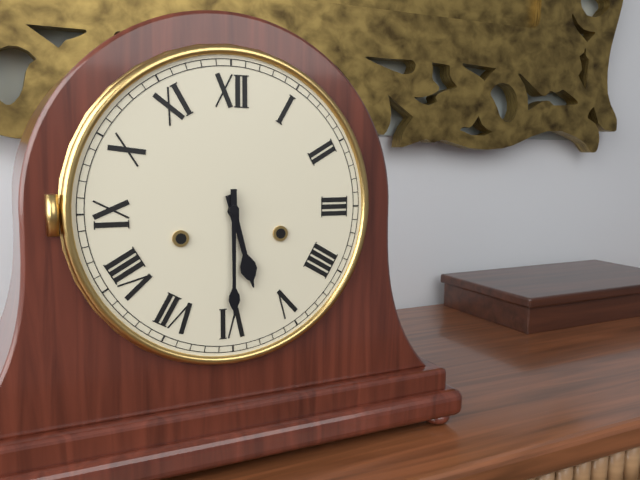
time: 5:30
